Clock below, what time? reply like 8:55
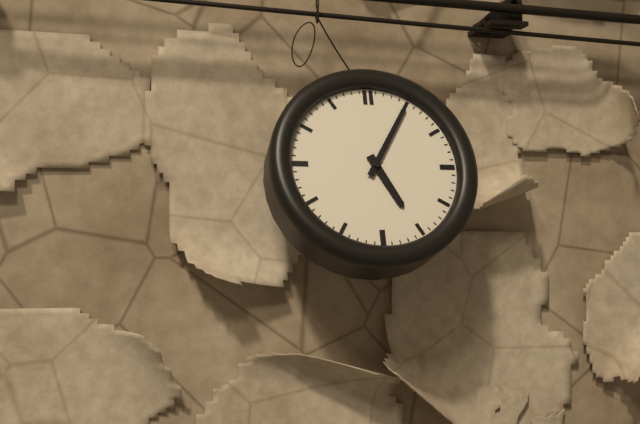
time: 5:05
